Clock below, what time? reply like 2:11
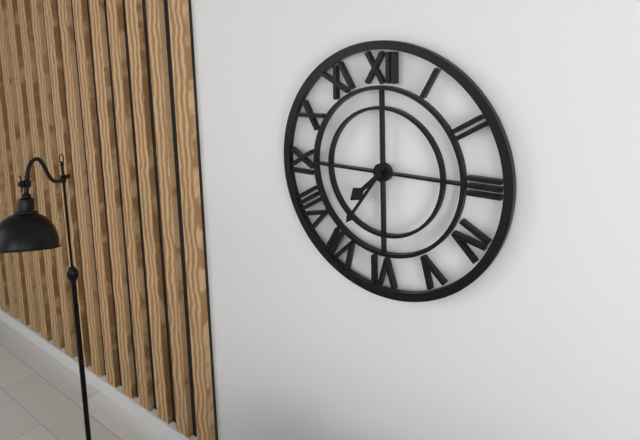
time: 7:36
